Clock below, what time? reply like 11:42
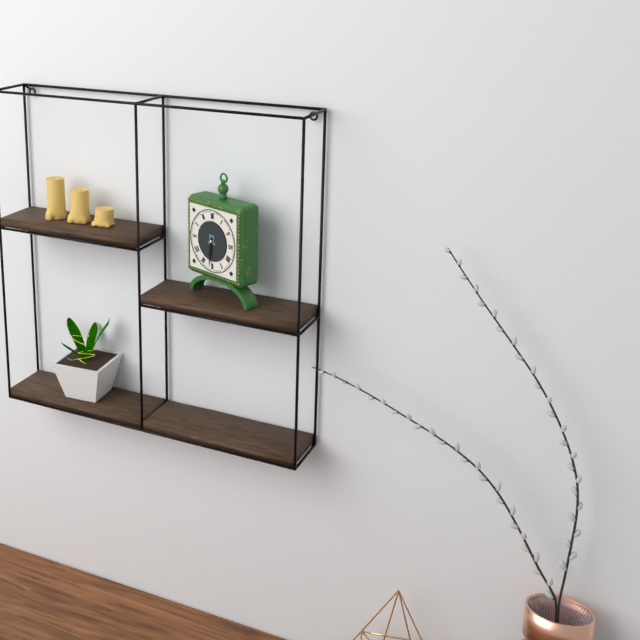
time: 6:31
